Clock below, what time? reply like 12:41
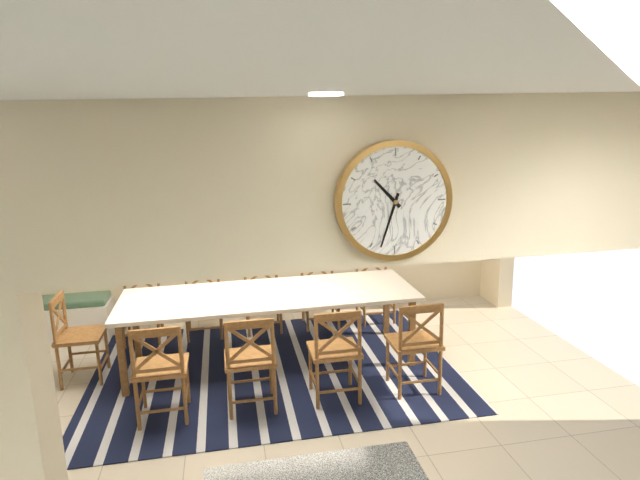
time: 10:33
